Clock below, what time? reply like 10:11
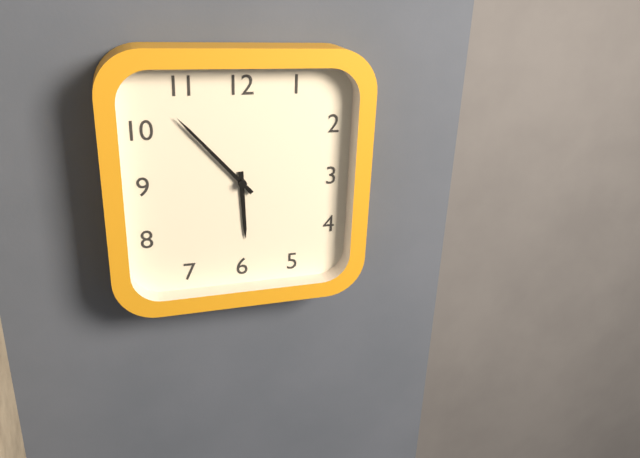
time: 5:53
